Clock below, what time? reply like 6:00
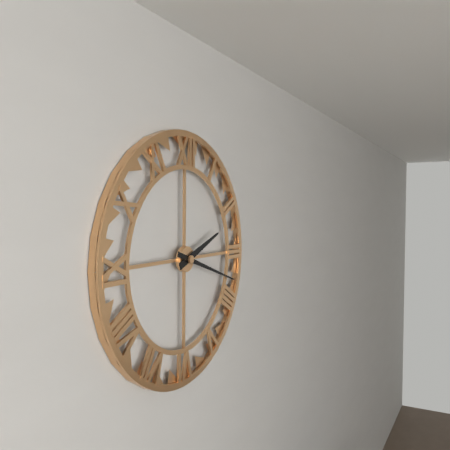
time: 2:18
